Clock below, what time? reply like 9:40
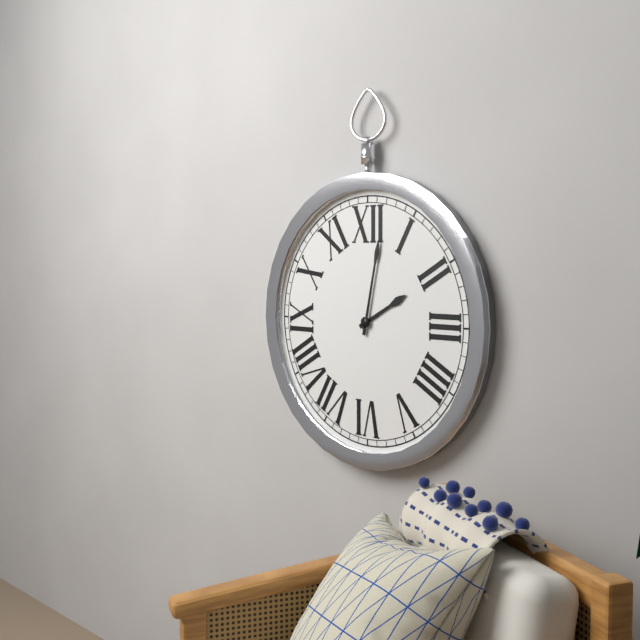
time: 2:02
